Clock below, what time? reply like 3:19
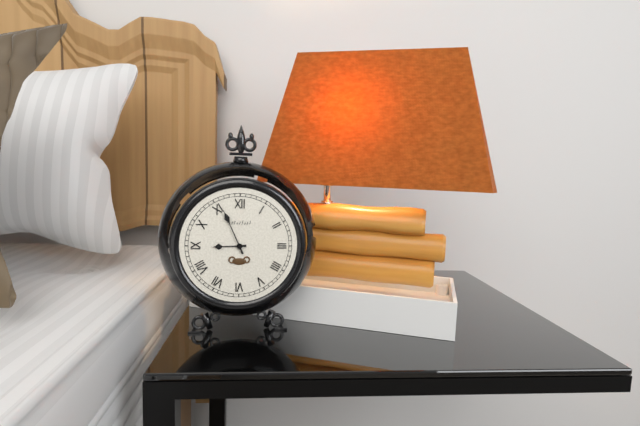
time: 8:56
